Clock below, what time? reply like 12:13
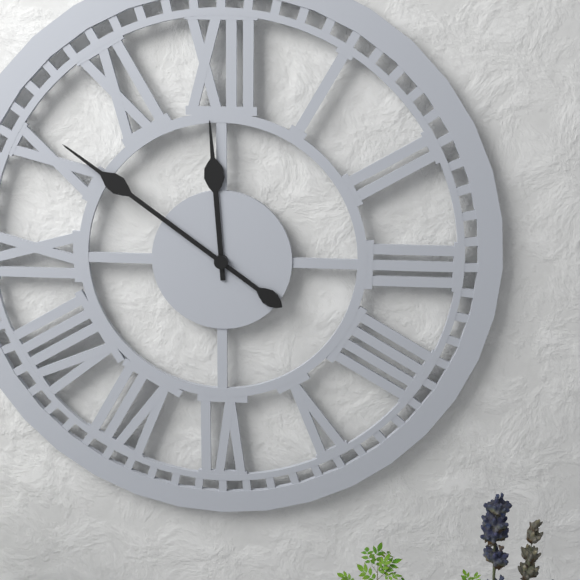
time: 11:51
